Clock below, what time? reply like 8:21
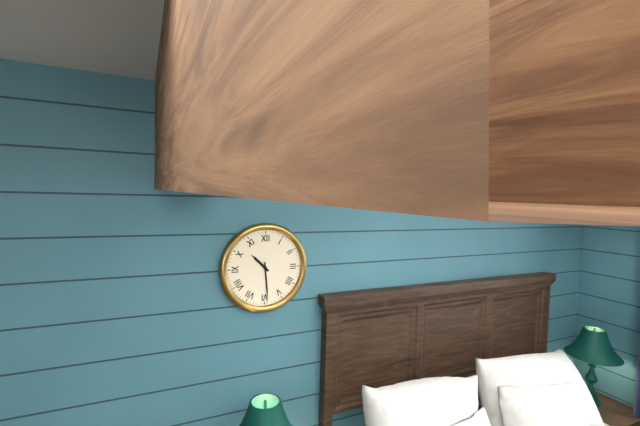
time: 10:29
